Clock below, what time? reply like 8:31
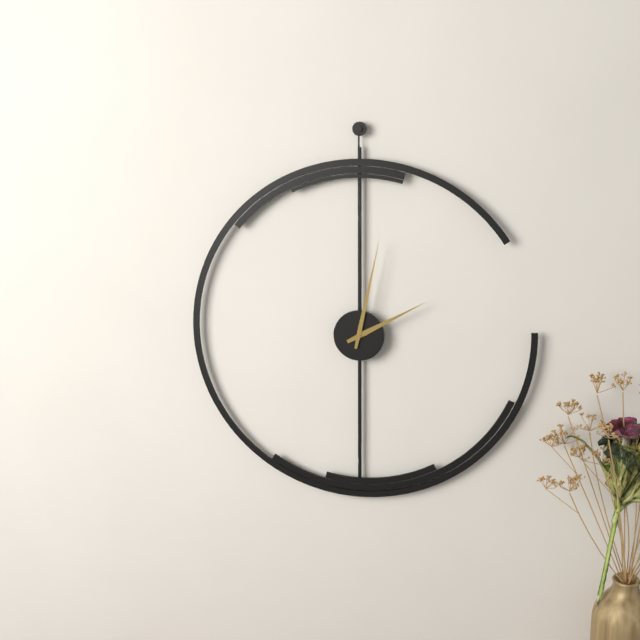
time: 2:02
